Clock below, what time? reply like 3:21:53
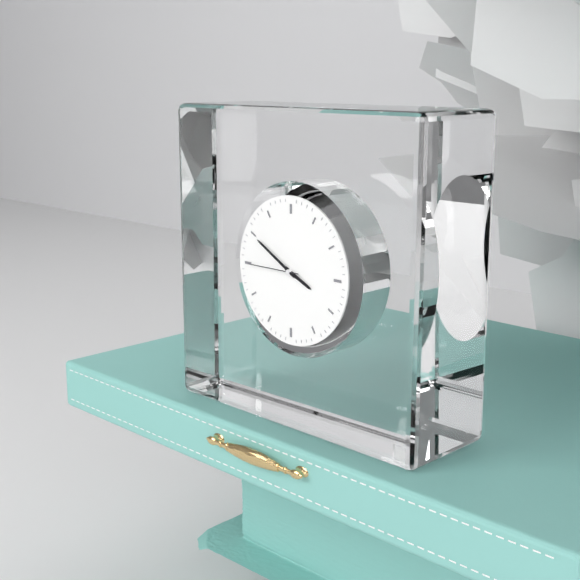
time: 3:50:45
